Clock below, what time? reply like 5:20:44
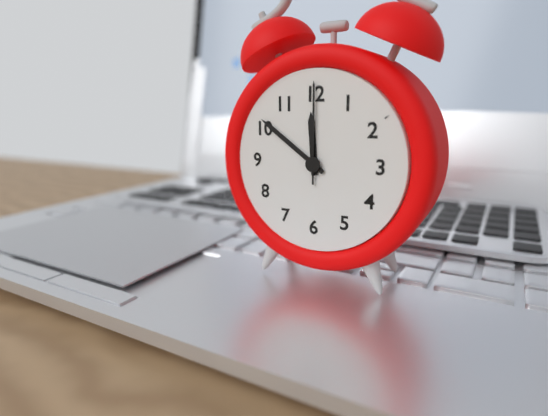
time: 11:51:00
